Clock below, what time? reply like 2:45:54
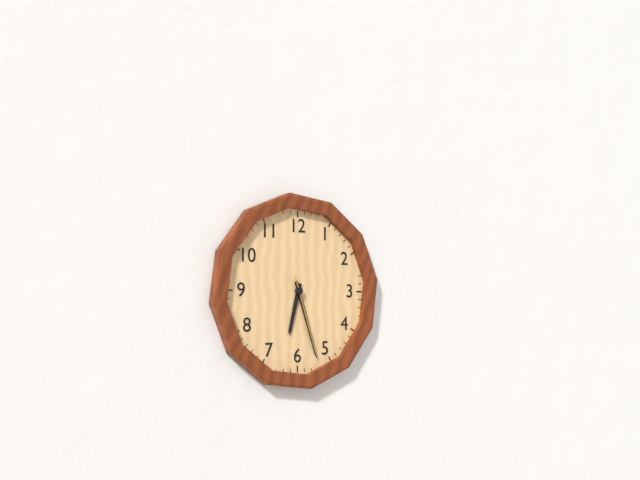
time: 6:27:27
